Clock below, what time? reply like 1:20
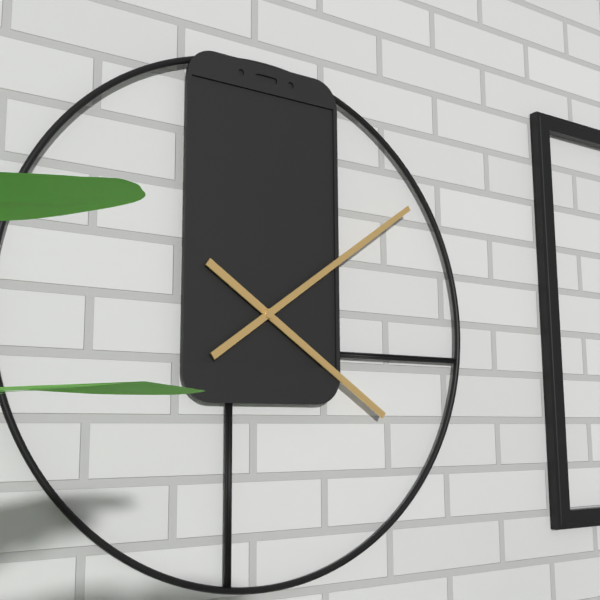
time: 4:09
